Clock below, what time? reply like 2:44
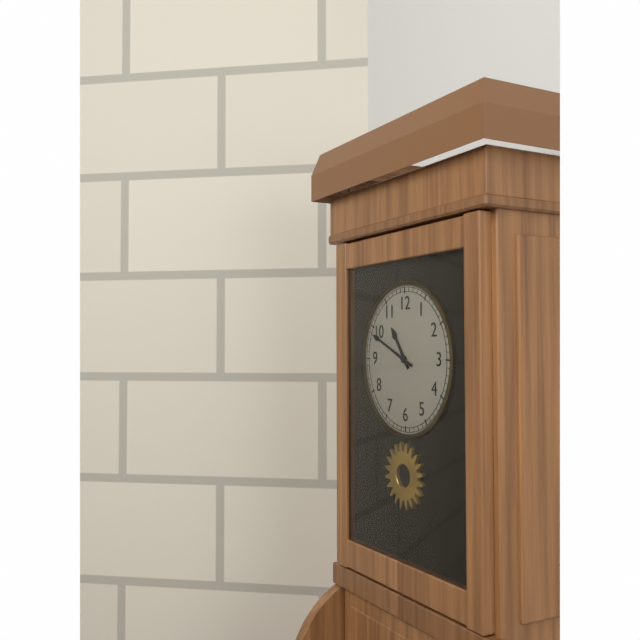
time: 10:49
